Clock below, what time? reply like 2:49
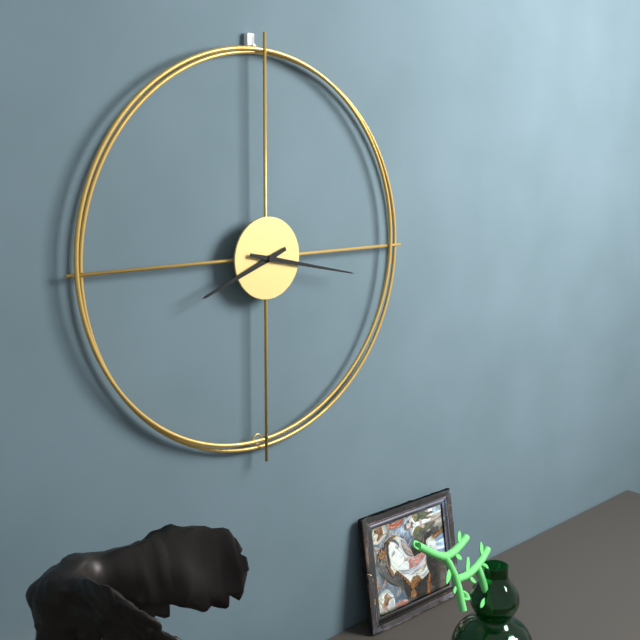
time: 8:17
